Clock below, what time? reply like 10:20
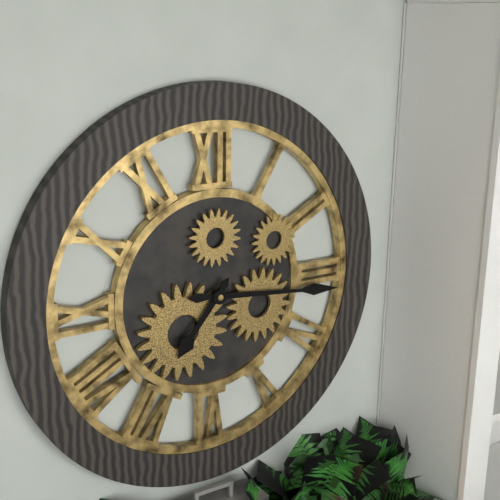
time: 7:16
